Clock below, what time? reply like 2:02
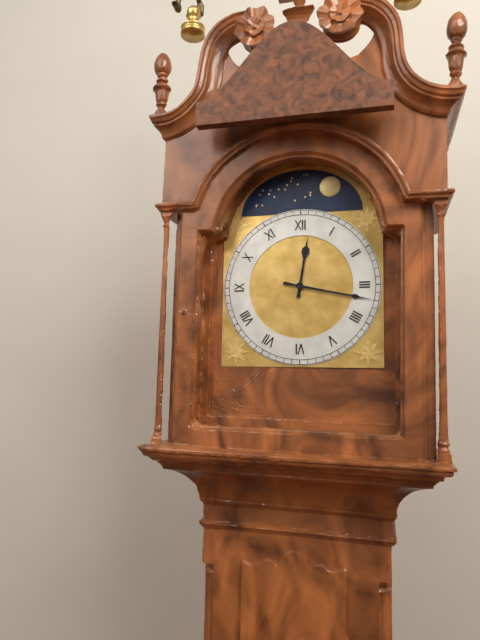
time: 12:17
